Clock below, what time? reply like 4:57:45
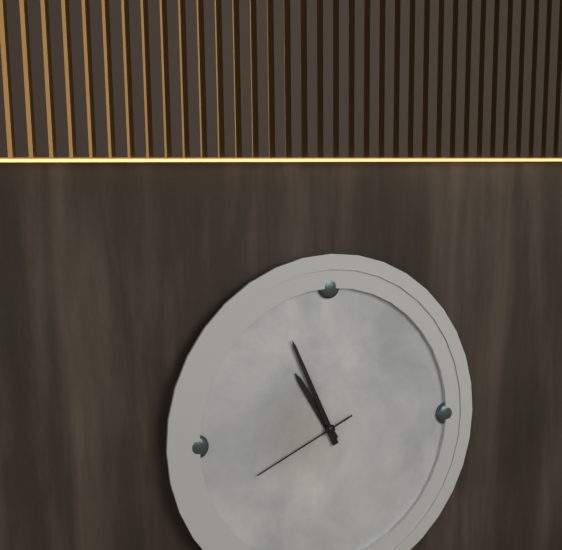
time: 10:56:41
